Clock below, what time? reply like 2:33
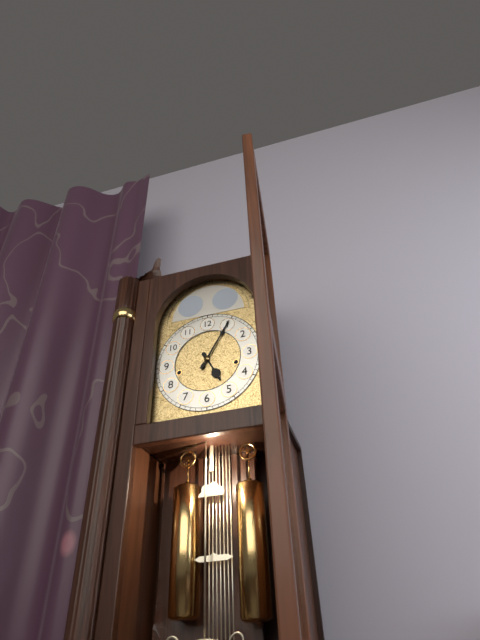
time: 5:05
